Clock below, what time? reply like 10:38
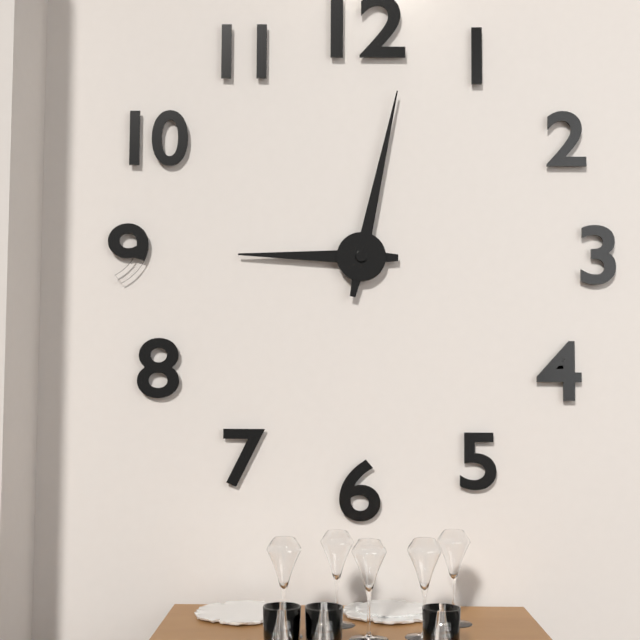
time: 9:02
